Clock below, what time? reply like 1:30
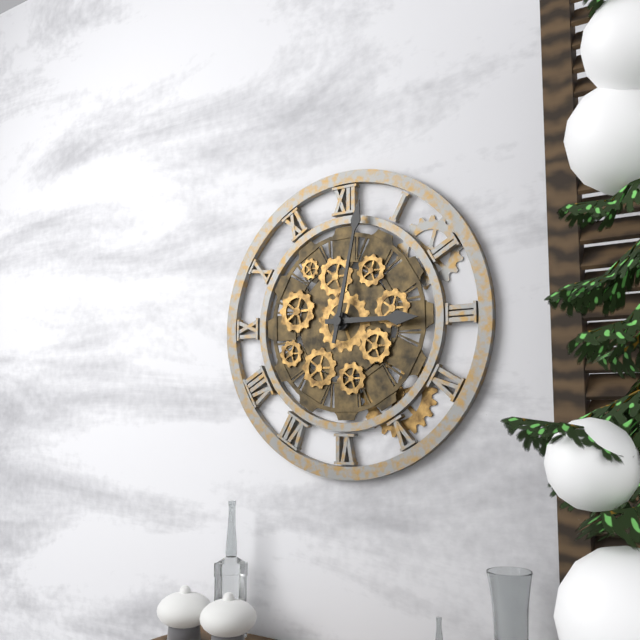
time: 3:02
